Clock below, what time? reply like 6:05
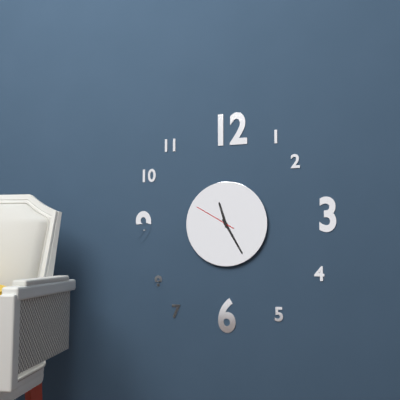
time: 11:25
